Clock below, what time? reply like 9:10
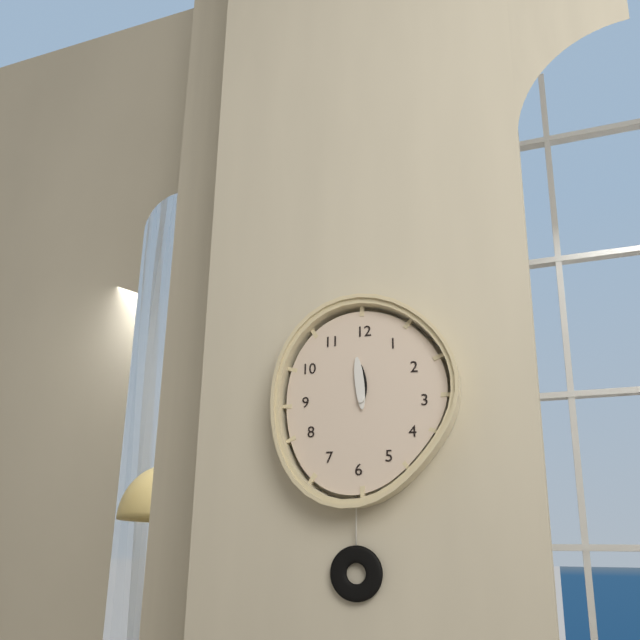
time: 11:59
